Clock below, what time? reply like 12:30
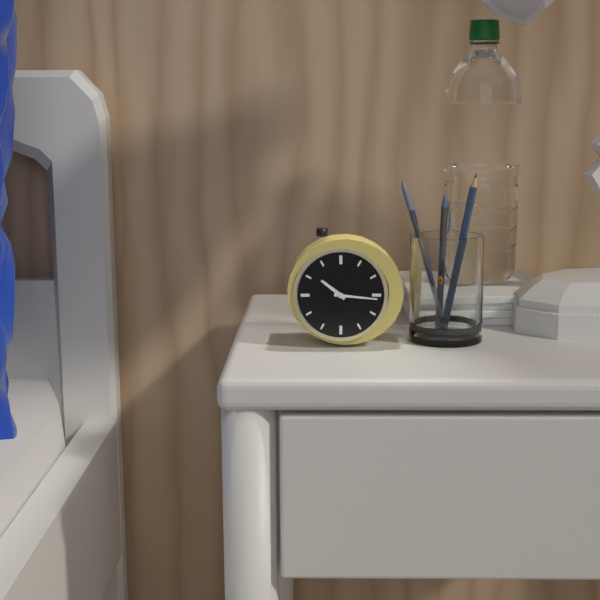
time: 10:16
